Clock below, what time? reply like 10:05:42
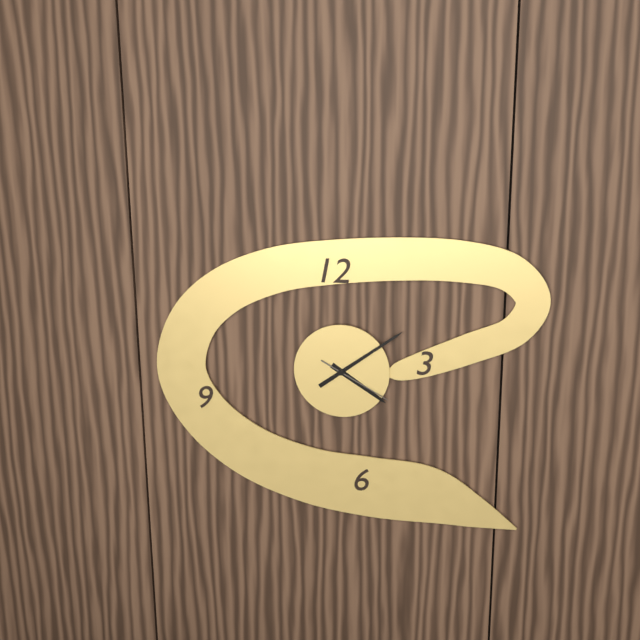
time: 4:09:20
